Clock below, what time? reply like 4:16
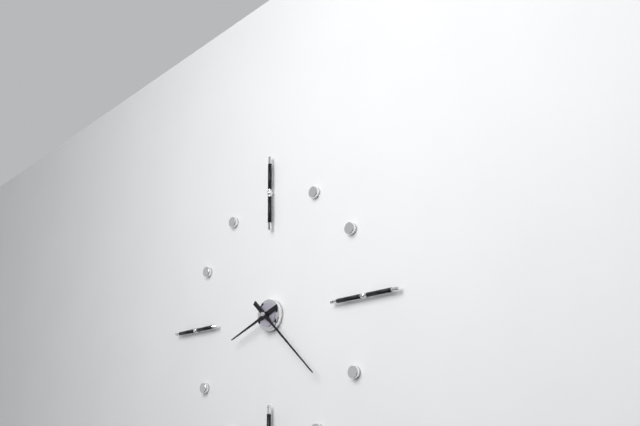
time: 8:22
